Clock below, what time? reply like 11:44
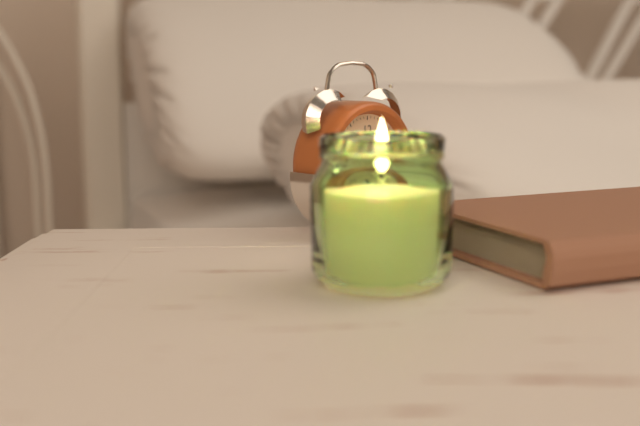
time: 11:15
